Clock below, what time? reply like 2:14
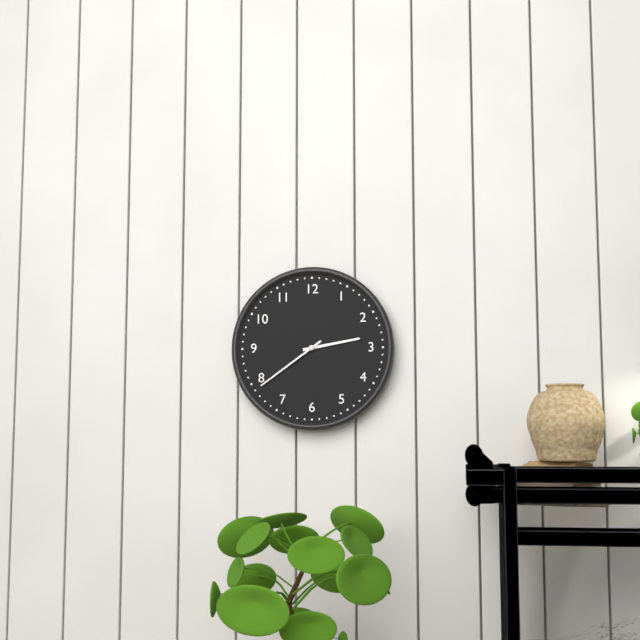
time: 2:39
